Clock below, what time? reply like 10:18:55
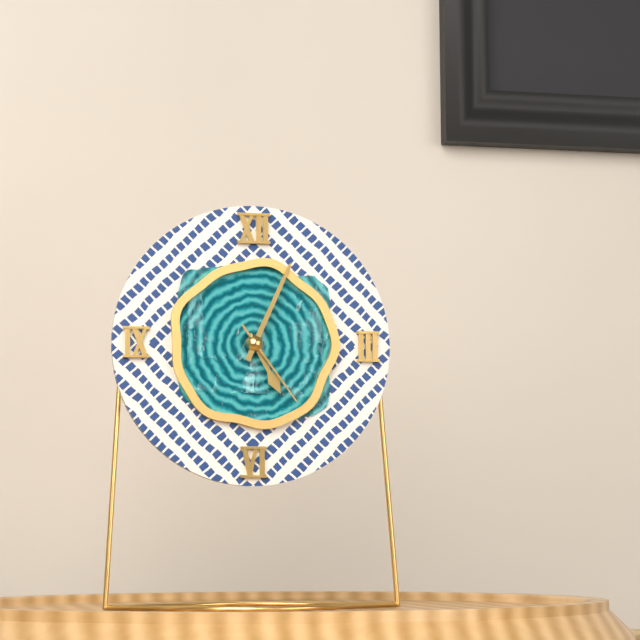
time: 5:04:24
